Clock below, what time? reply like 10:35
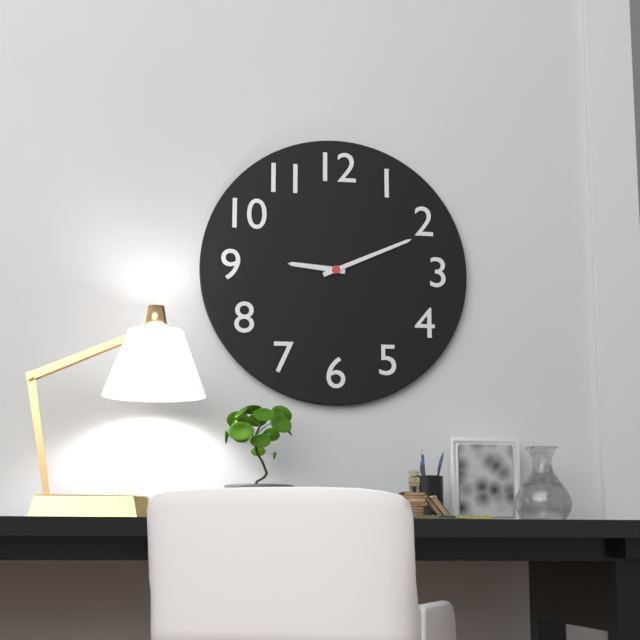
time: 9:11
